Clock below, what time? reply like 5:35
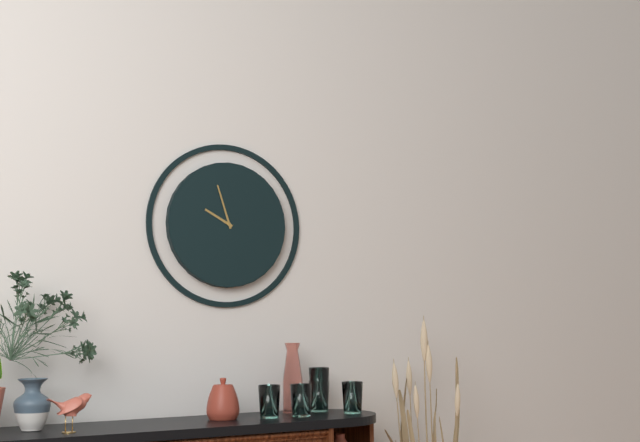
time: 9:57
